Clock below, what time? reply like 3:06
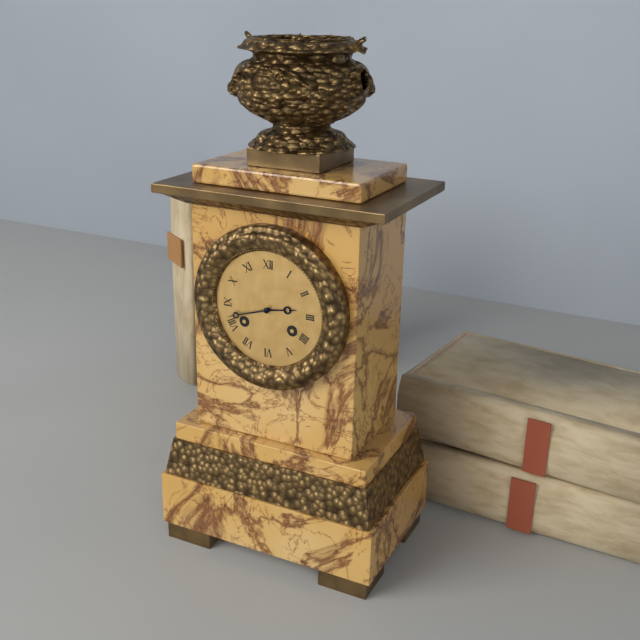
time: 2:42
